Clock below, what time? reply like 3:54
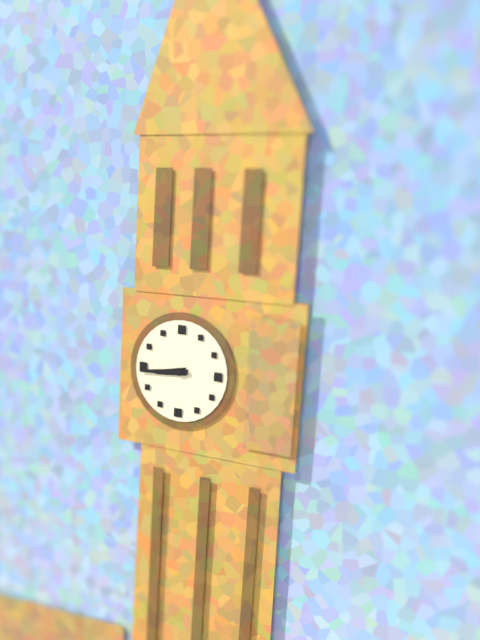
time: 8:44
